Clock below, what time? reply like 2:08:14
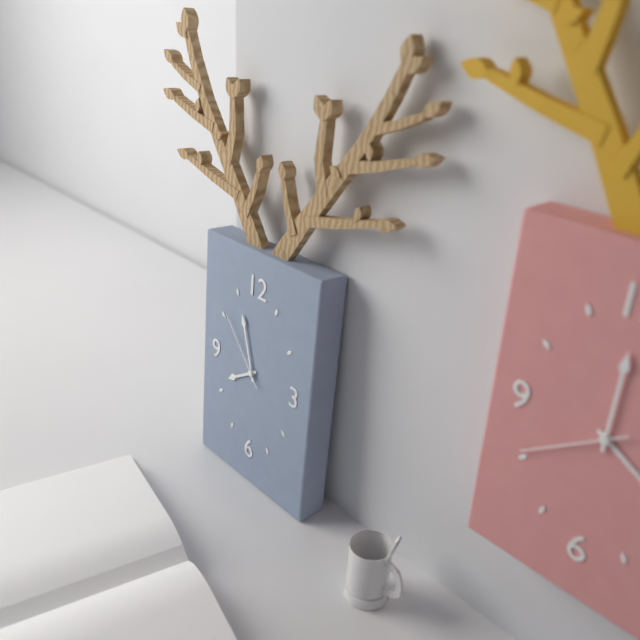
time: 7:57:53
